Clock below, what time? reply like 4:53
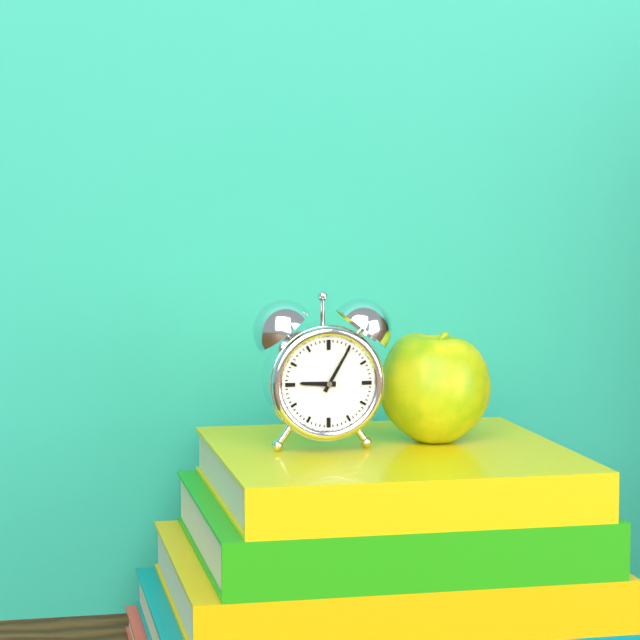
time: 9:05
